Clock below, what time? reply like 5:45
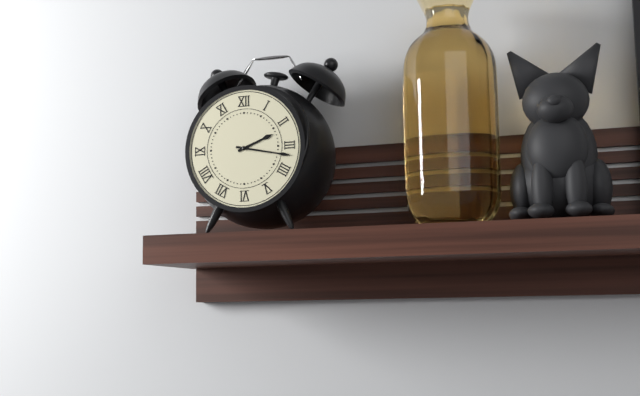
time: 2:17
